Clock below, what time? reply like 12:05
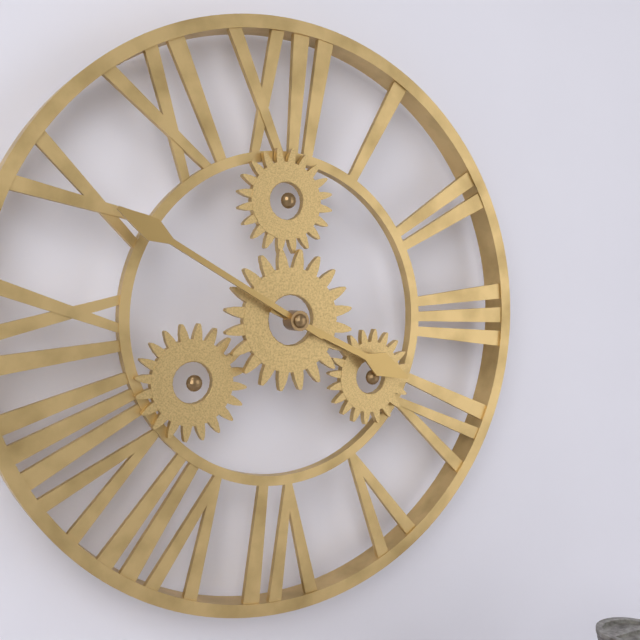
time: 3:50
